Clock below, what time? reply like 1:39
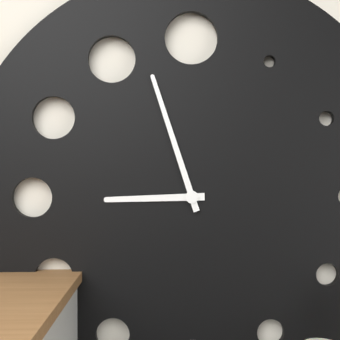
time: 8:57
